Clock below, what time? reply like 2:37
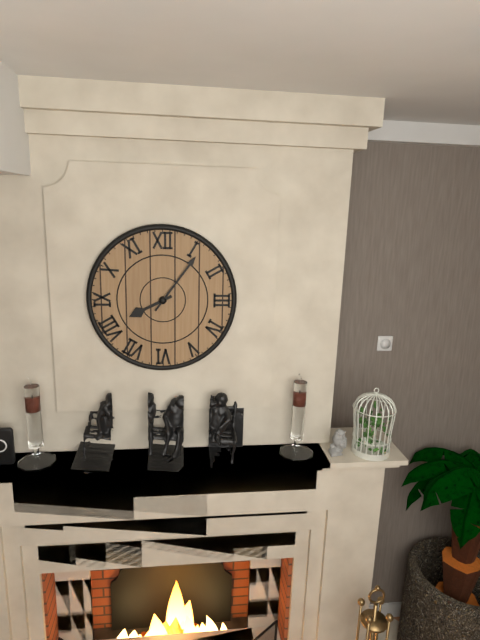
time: 8:06
